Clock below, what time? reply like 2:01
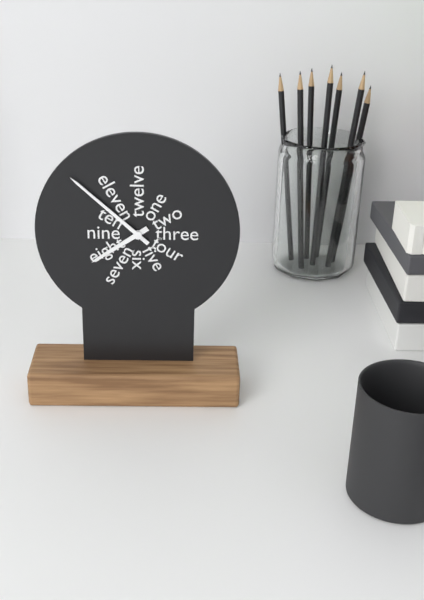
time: 7:52
